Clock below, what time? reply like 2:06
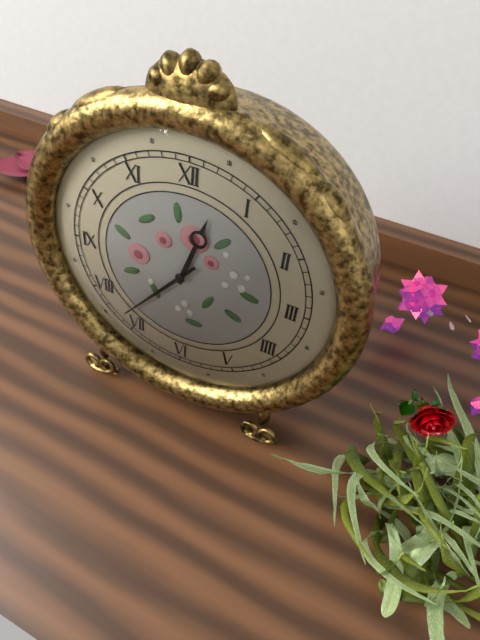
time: 12:37
